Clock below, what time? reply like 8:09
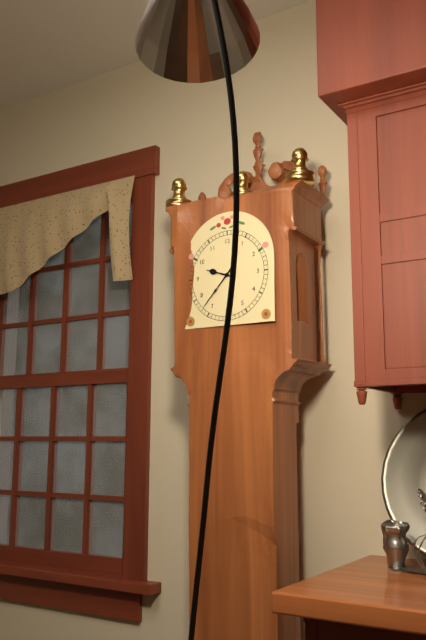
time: 9:37
